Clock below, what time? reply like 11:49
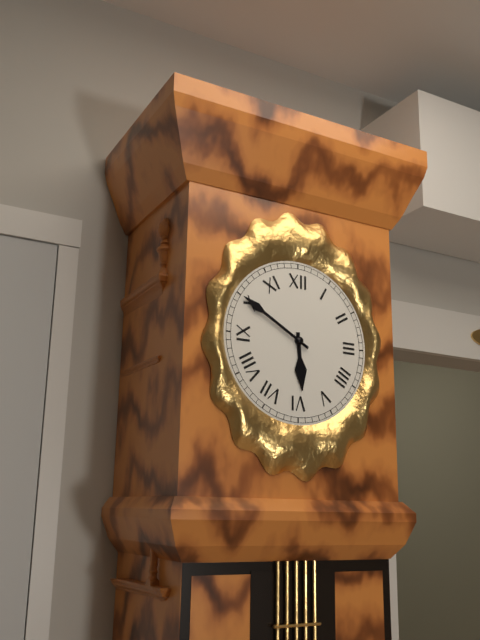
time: 5:50
